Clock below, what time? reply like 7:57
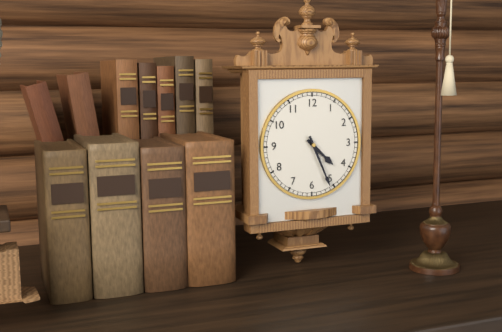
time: 4:26
